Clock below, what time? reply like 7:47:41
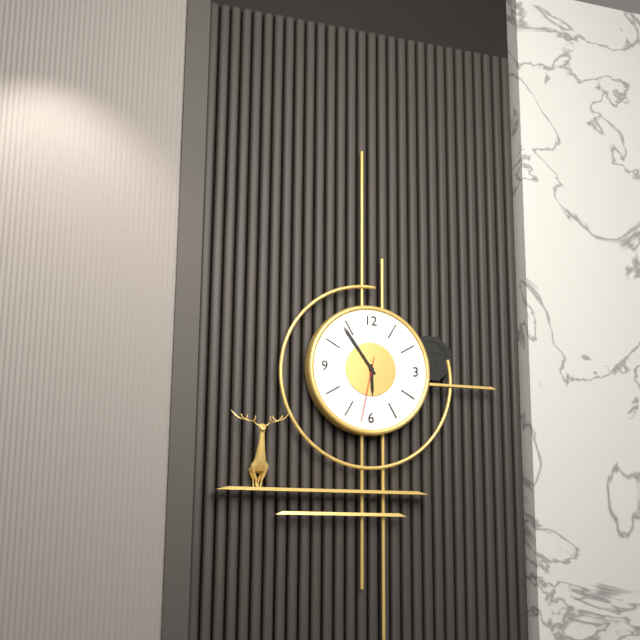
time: 5:54:32
